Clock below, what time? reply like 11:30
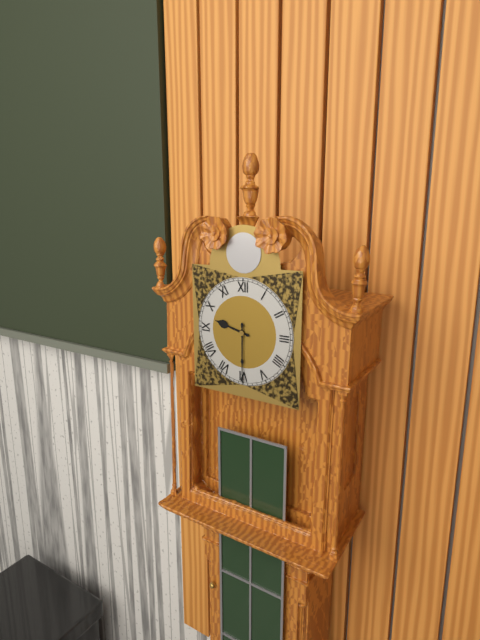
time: 9:30
